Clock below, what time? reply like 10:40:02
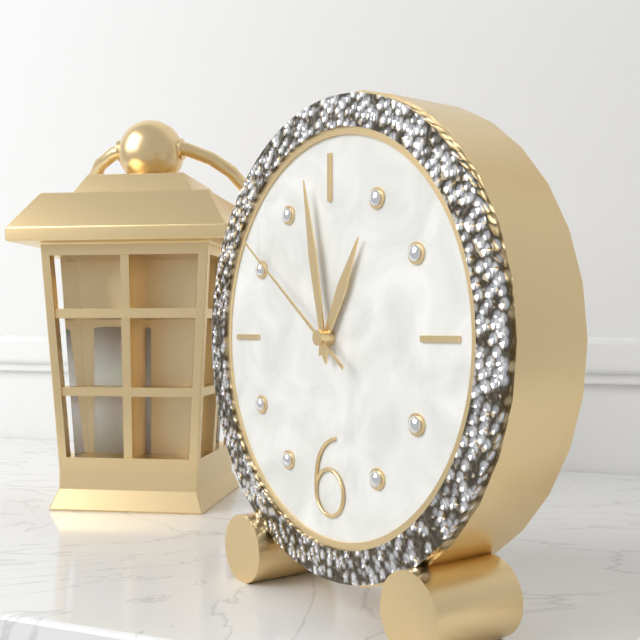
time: 12:58:51
